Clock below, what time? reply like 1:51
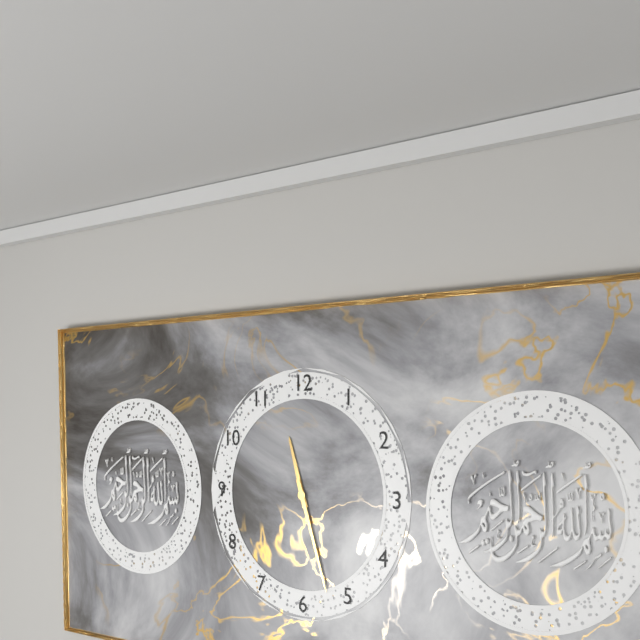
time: 11:27
